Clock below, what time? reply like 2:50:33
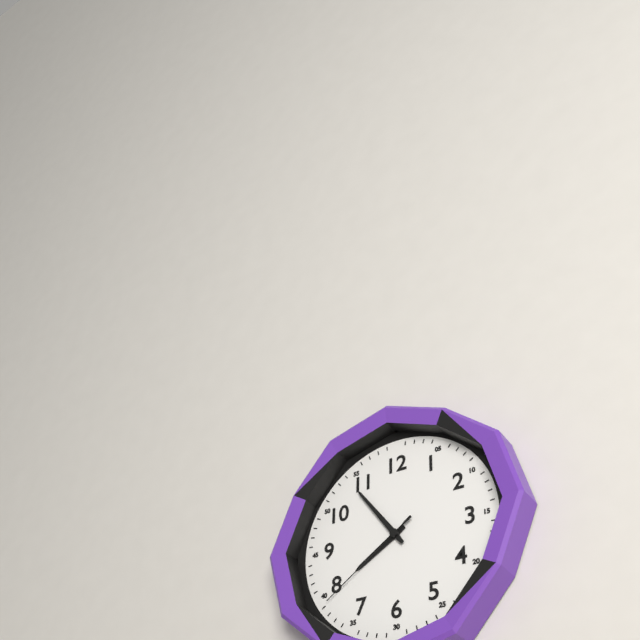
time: 7:54:39
